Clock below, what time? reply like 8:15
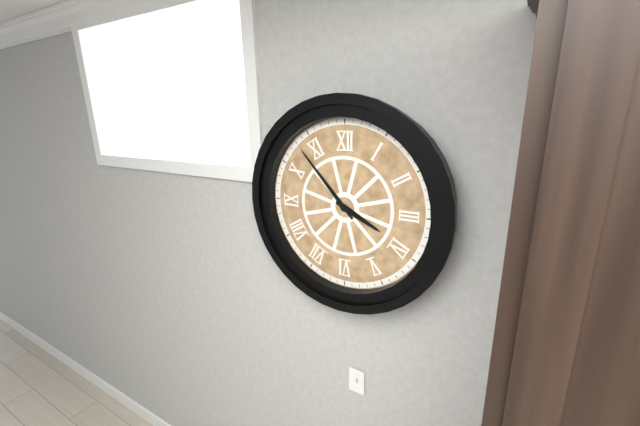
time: 3:53
